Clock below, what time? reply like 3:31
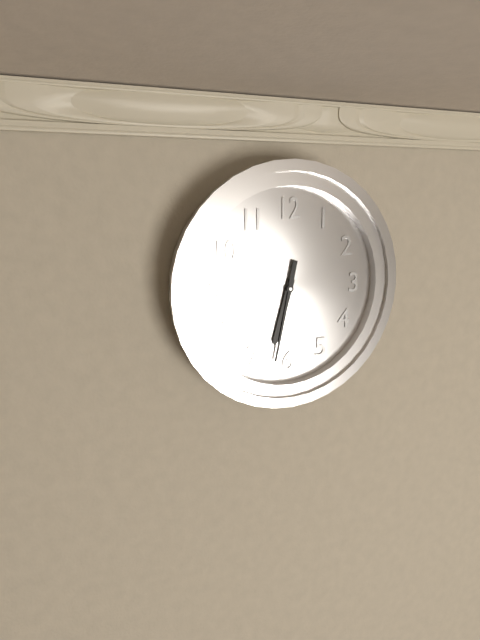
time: 6:32
